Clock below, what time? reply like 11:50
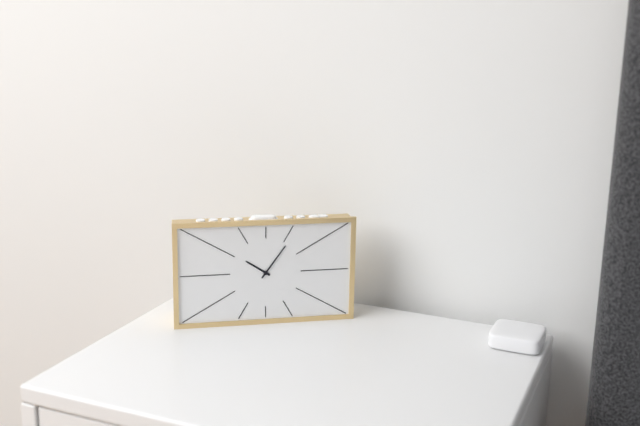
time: 10:06
